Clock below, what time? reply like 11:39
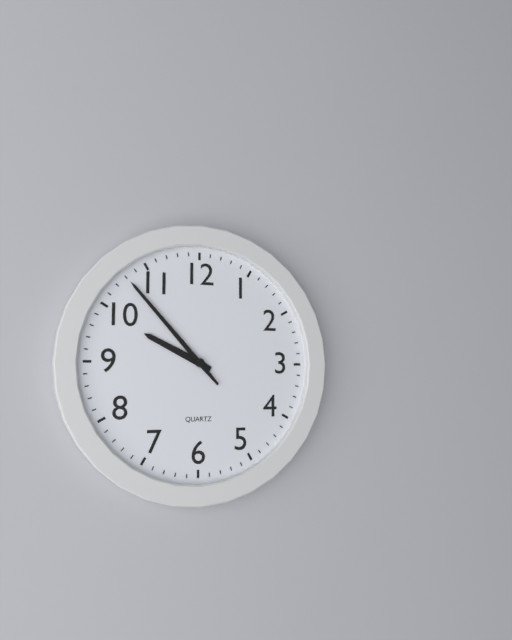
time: 9:53
